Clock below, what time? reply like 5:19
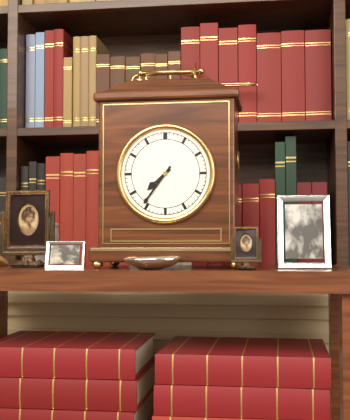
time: 7:36
